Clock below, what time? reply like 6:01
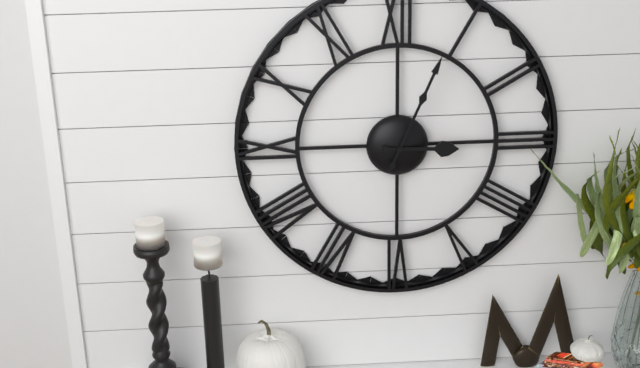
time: 3:04
